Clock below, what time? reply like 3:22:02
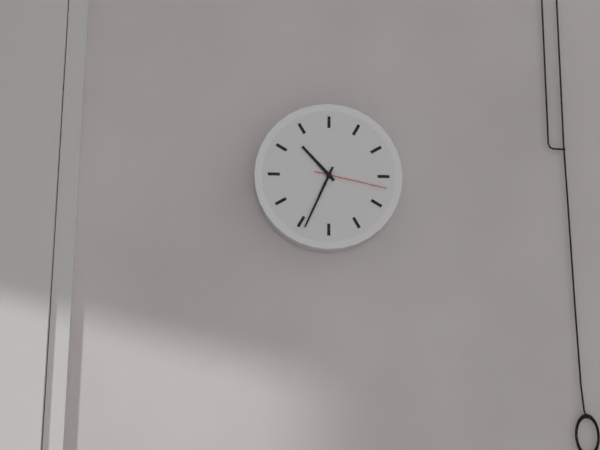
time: 10:34:17
